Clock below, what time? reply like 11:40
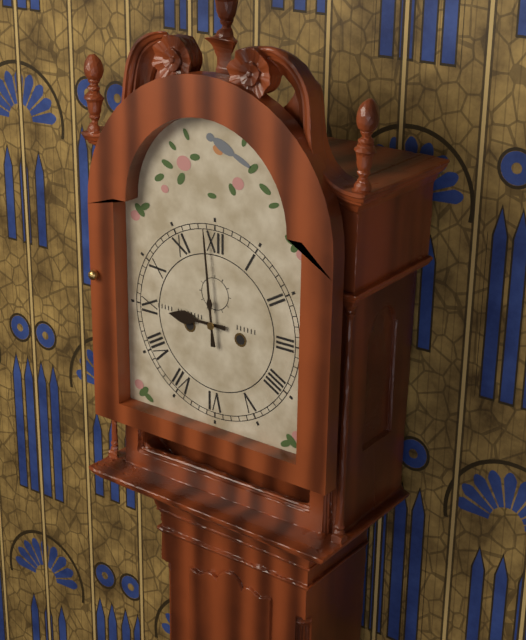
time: 8:59
